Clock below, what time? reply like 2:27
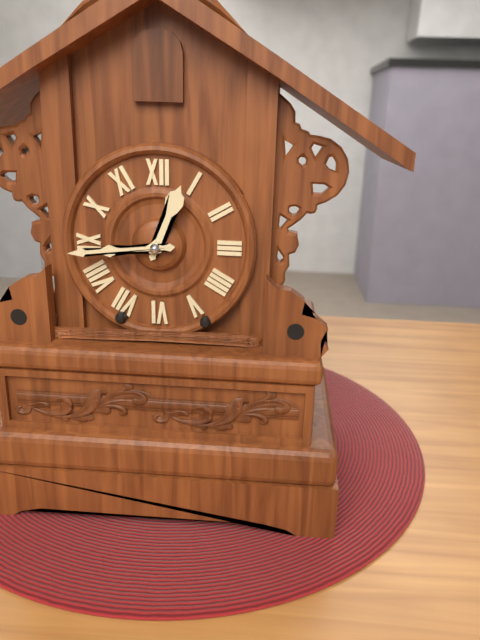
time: 12:44
